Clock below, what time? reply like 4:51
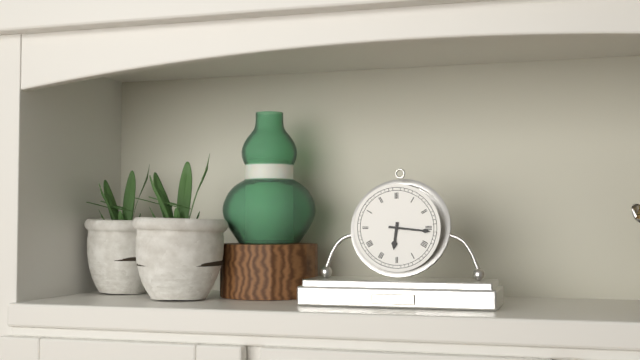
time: 6:16
